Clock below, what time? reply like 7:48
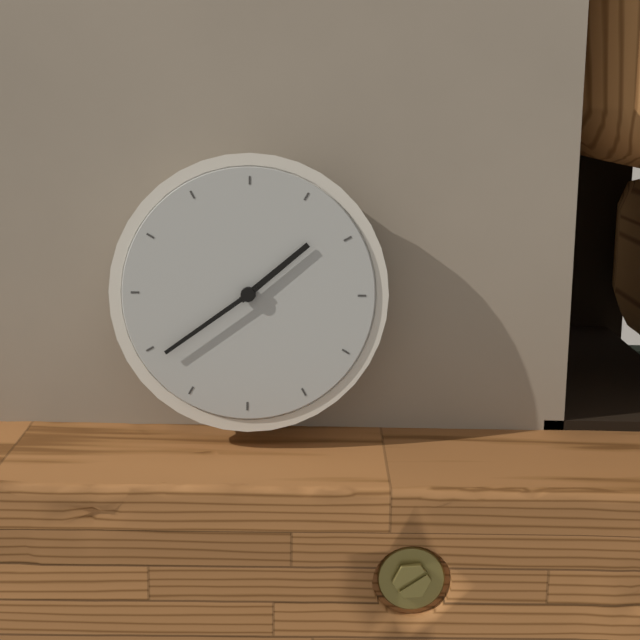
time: 1:39
